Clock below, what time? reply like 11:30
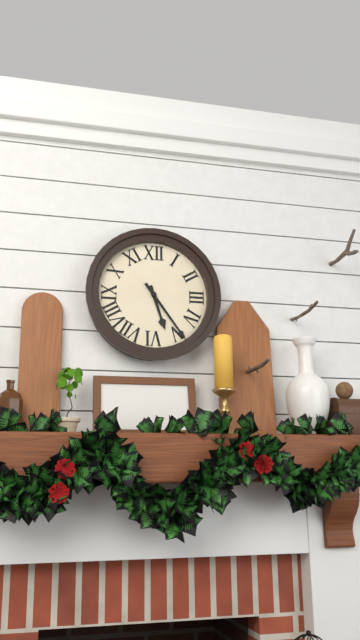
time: 5:24
